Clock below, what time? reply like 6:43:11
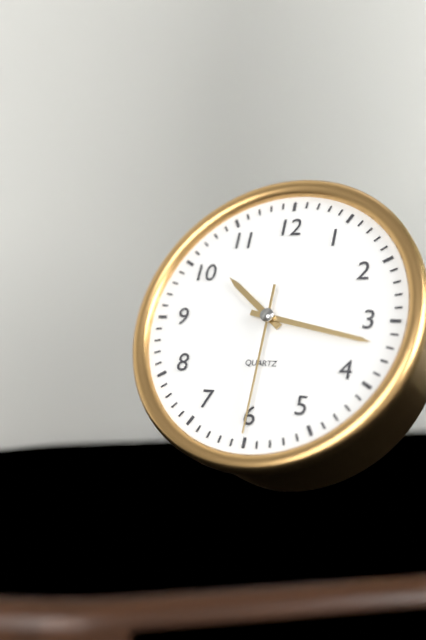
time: 10:17:30
